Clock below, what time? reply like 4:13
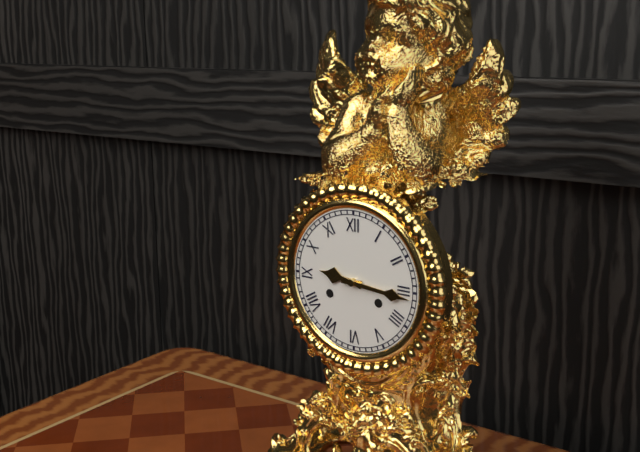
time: 9:16
